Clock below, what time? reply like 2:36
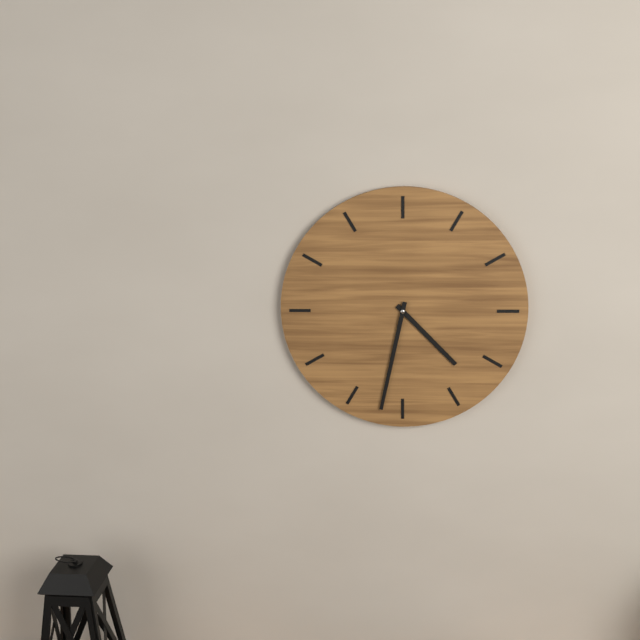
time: 4:32
